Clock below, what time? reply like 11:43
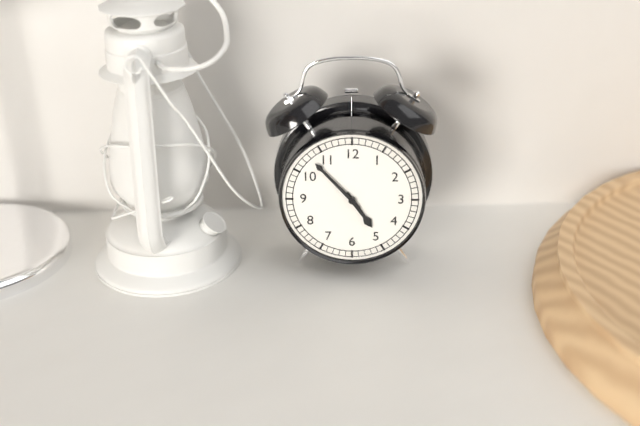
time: 4:53
